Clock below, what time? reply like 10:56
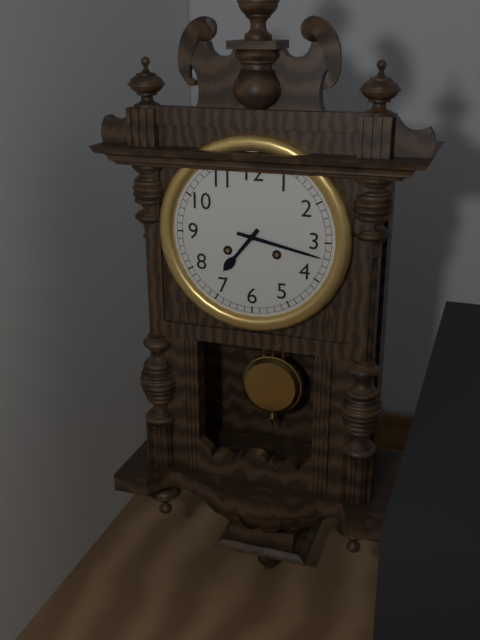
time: 7:17
